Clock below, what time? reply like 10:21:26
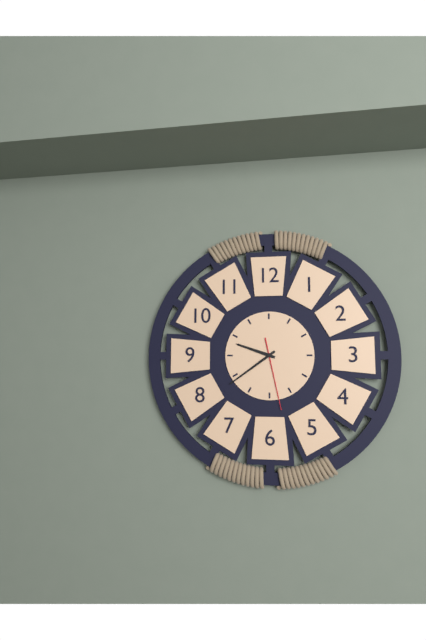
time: 9:39:28
